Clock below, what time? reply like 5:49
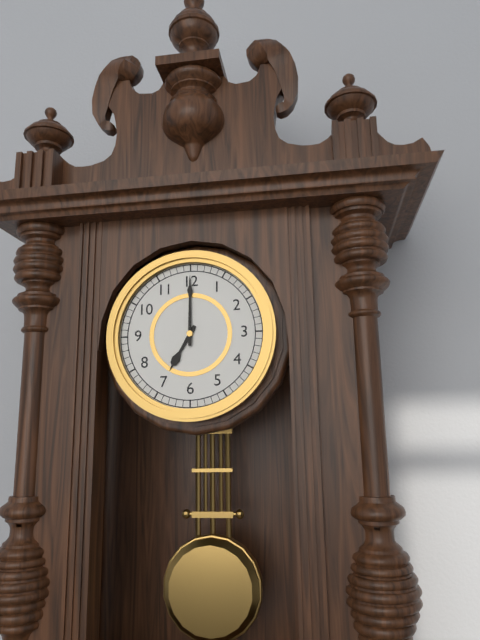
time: 7:00
